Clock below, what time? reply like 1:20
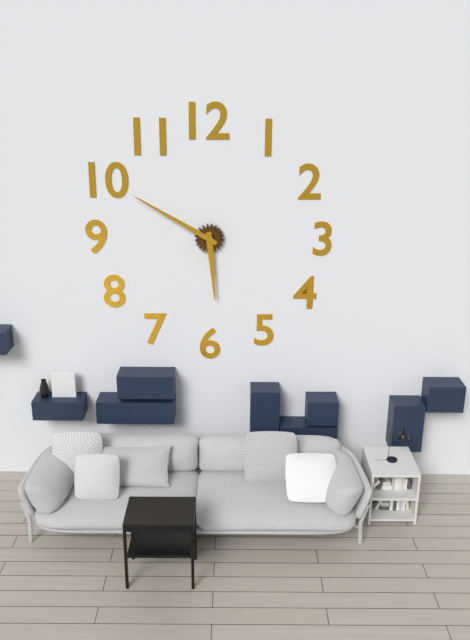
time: 5:50
